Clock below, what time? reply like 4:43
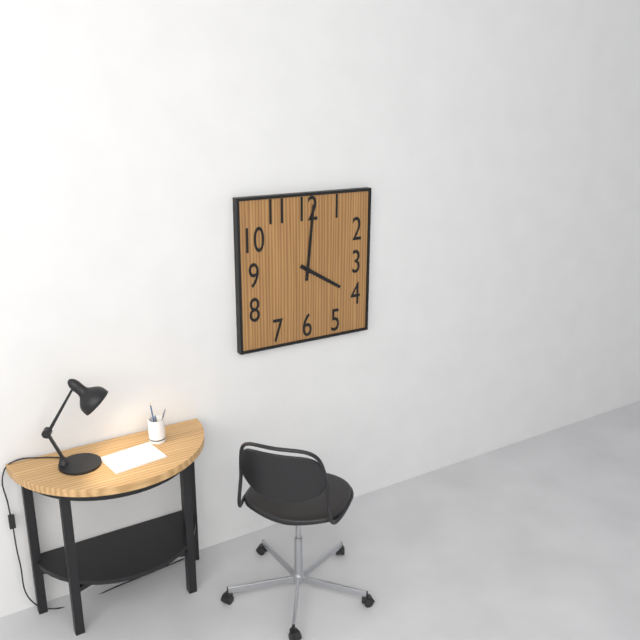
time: 4:01
